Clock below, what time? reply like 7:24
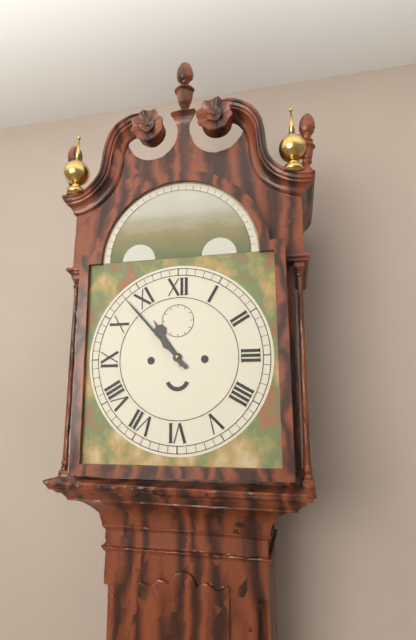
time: 10:53
